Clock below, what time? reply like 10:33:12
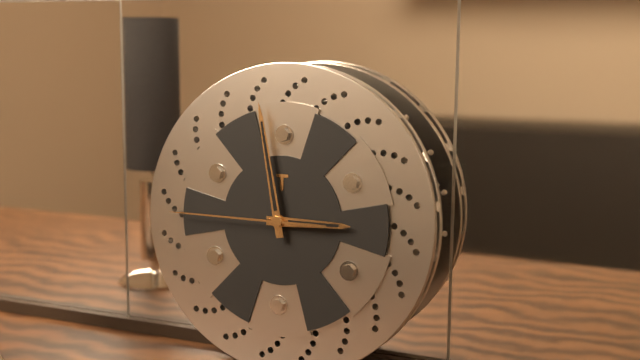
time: 2:58:45
